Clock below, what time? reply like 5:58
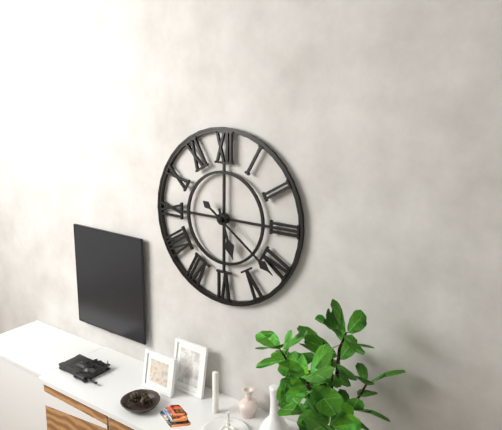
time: 5:21
